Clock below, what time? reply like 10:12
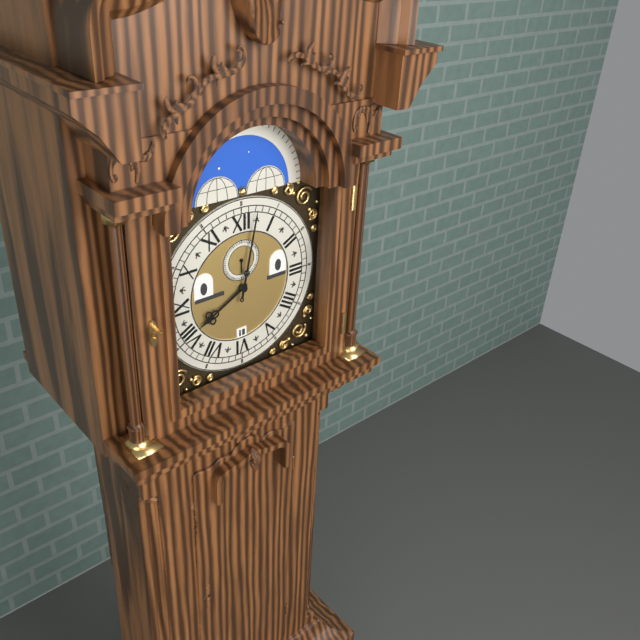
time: 8:02
